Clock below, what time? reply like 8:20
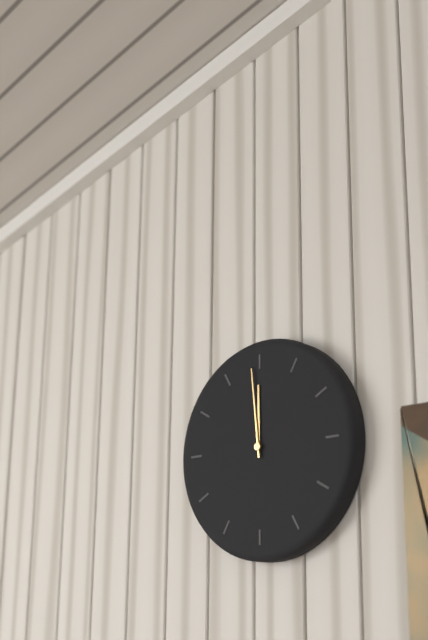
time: 11:59
